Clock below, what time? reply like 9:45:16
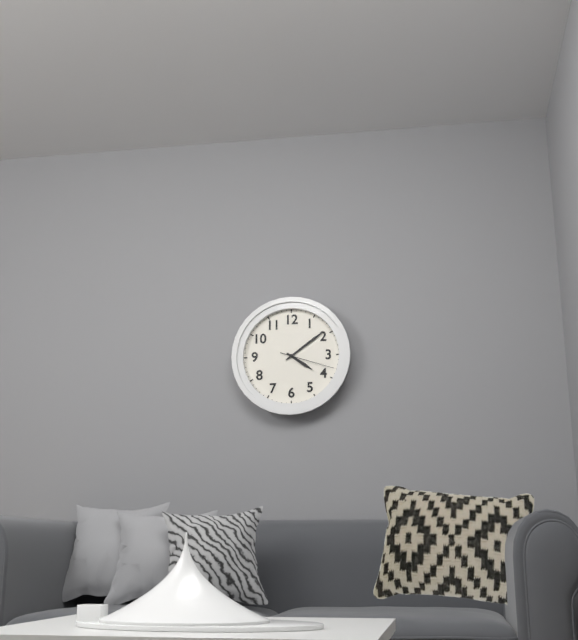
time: 4:09:18
